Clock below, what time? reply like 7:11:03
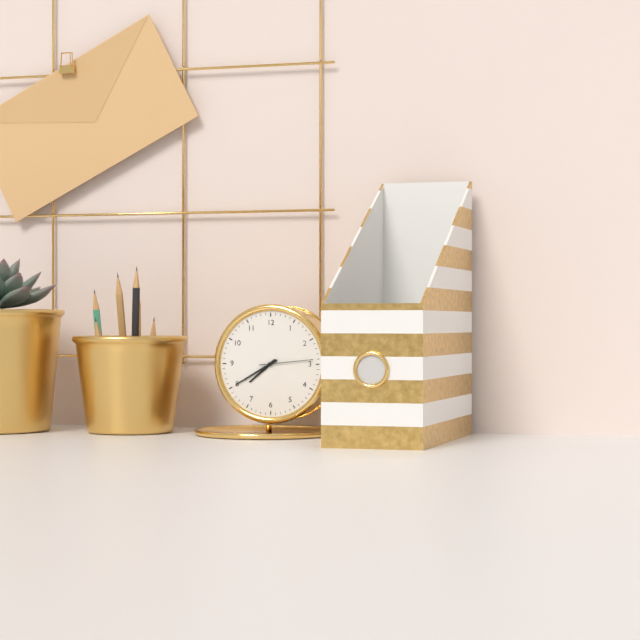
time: 7:40:14
